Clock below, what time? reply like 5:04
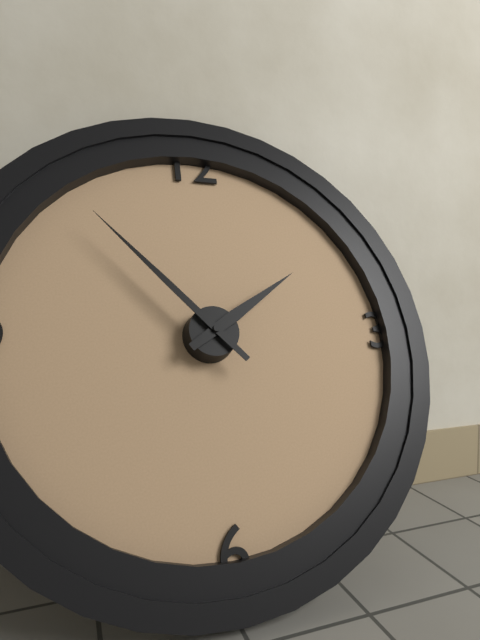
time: 1:53
